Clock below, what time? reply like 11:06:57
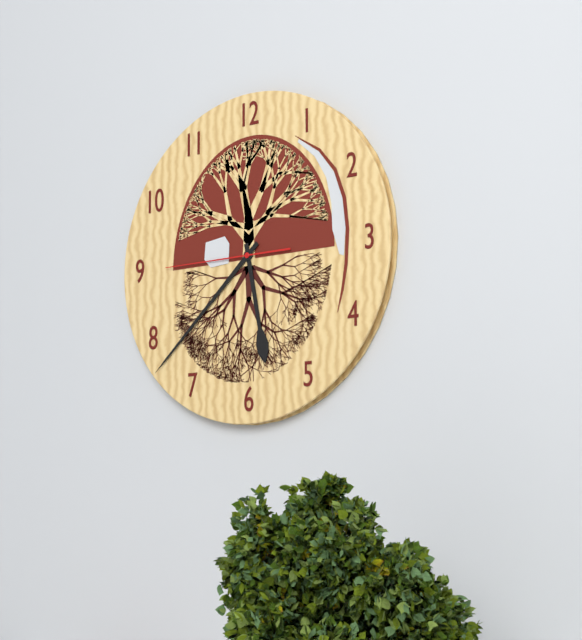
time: 5:38:45
